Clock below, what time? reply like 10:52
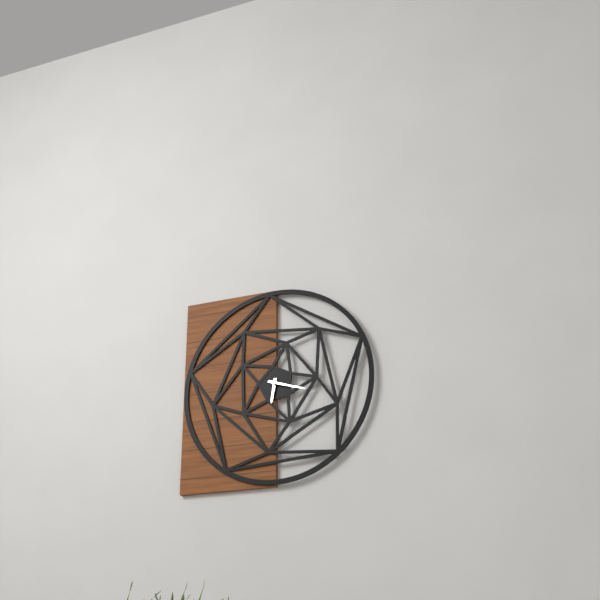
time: 6:18
